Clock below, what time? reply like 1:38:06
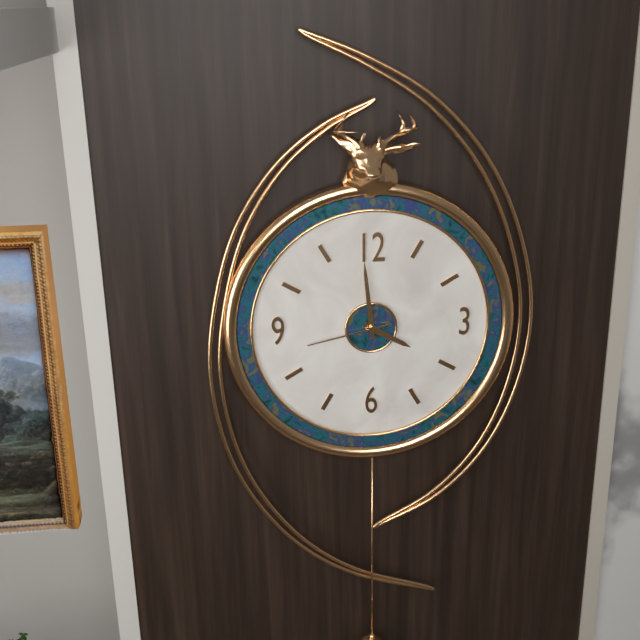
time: 3:59:43
